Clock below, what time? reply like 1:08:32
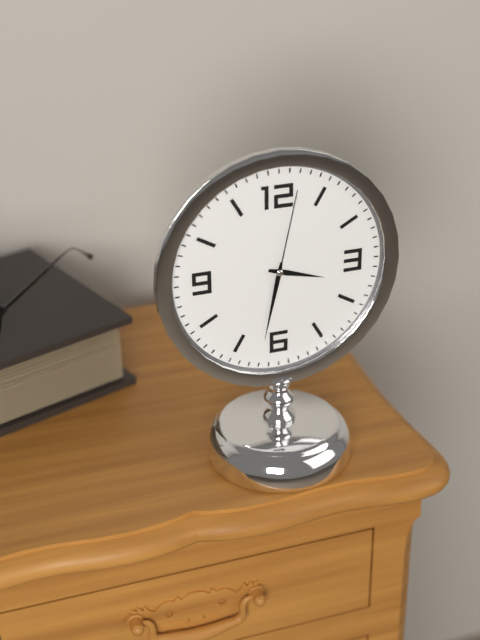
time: 3:32:02
